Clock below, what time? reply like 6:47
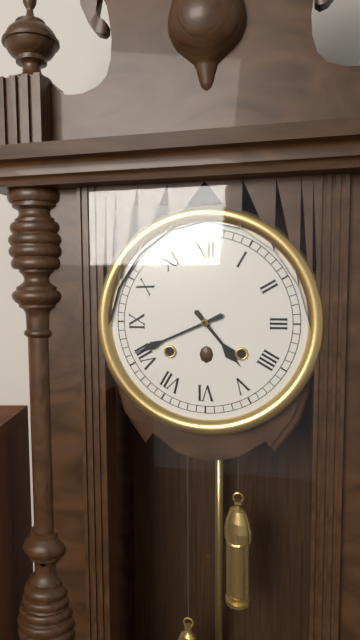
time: 4:41
